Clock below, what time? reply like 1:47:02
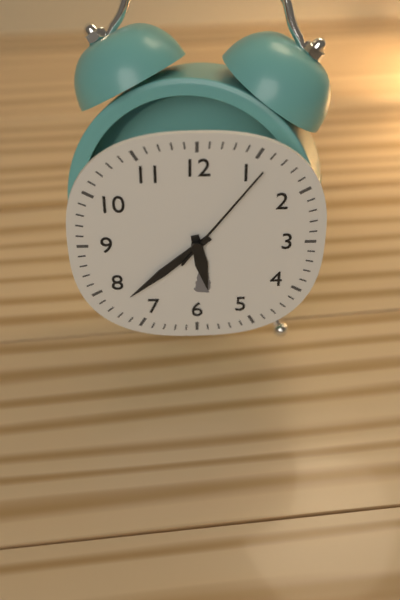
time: 5:38:06
